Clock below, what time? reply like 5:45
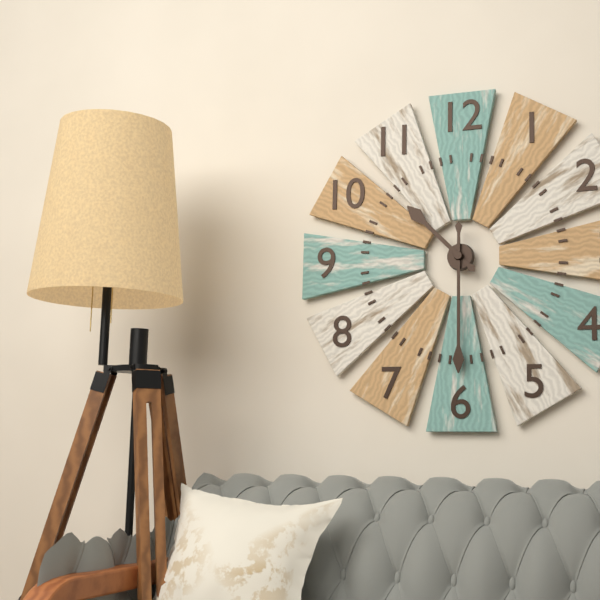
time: 10:30
